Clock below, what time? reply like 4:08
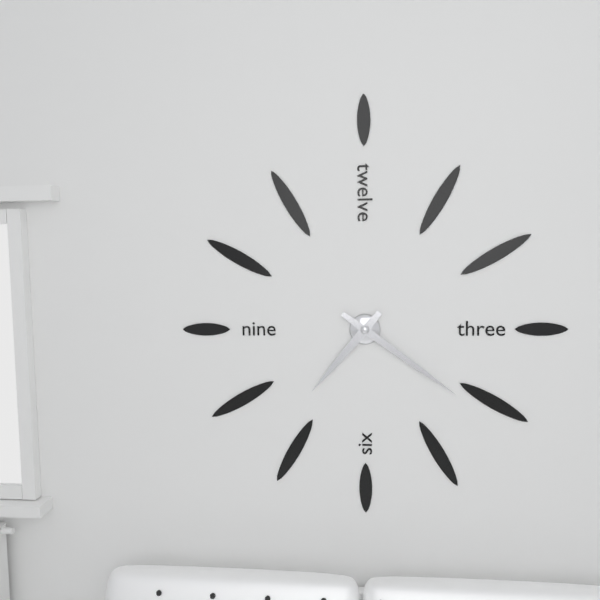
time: 7:21
